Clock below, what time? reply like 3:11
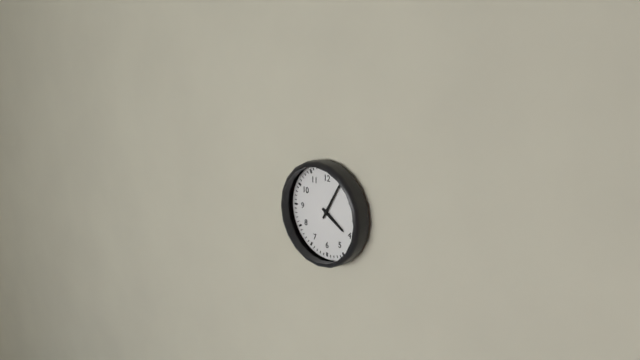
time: 4:05
